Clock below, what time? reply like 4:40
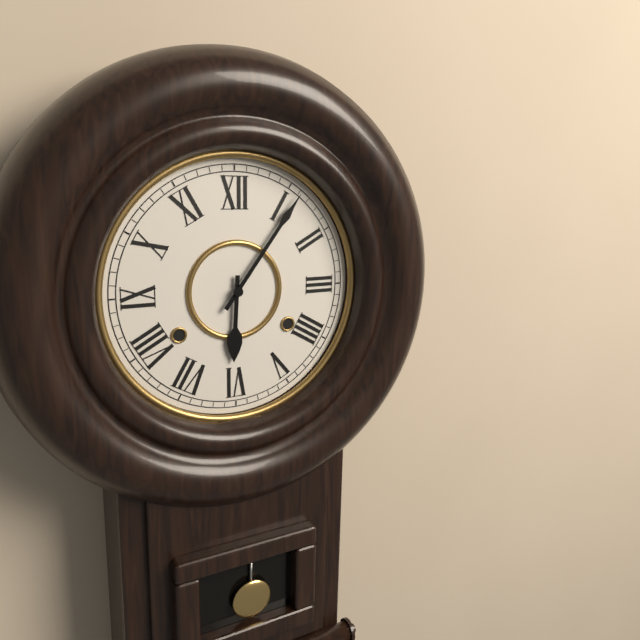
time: 6:06
